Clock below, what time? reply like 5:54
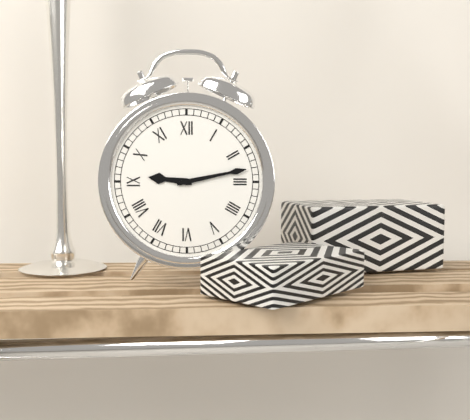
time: 9:13
